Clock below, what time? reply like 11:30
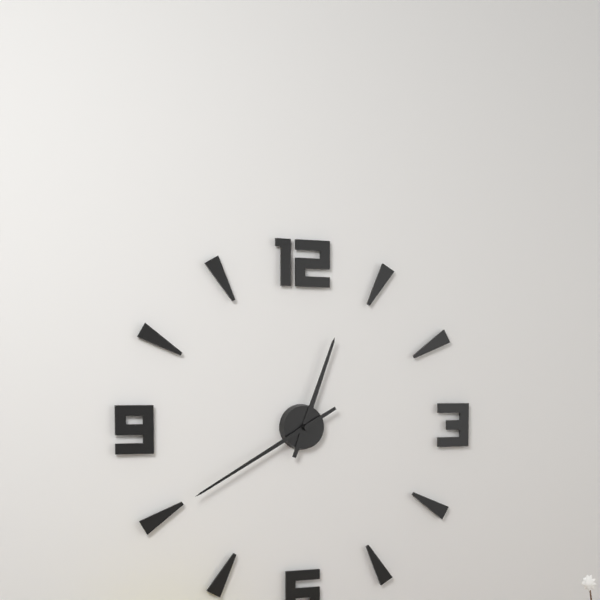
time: 12:40
